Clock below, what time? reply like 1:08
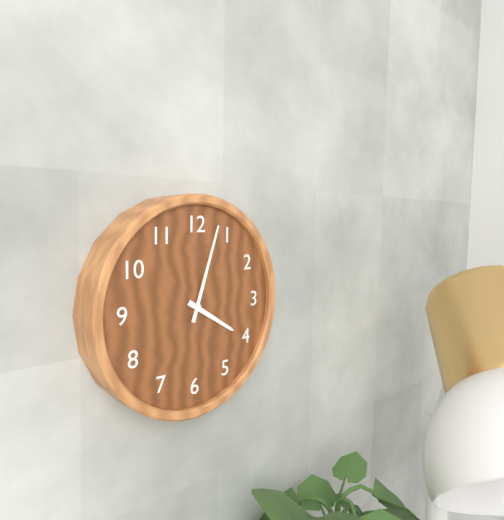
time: 4:03
